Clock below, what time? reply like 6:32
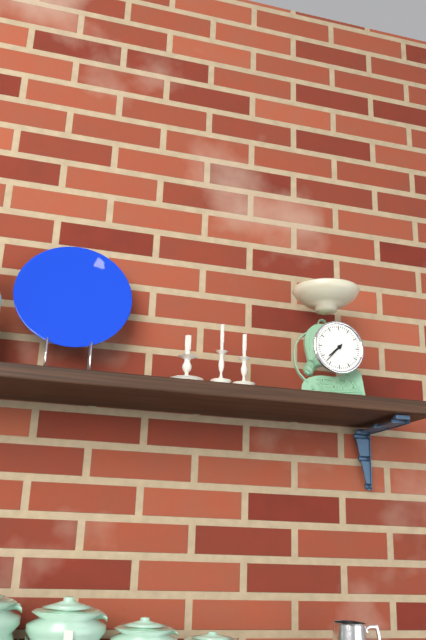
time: 7:37
